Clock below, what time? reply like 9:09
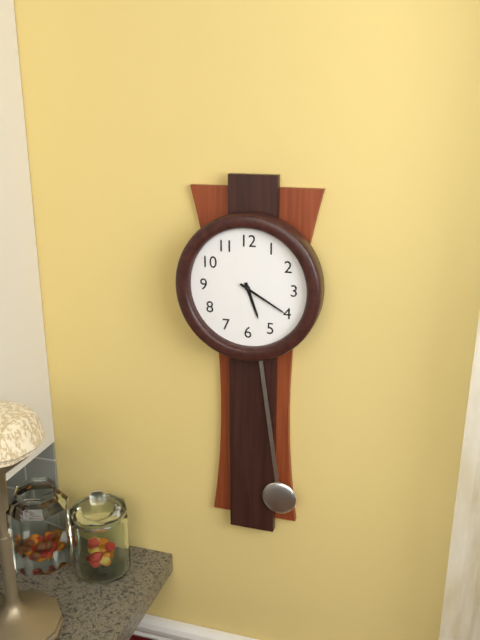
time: 5:20
